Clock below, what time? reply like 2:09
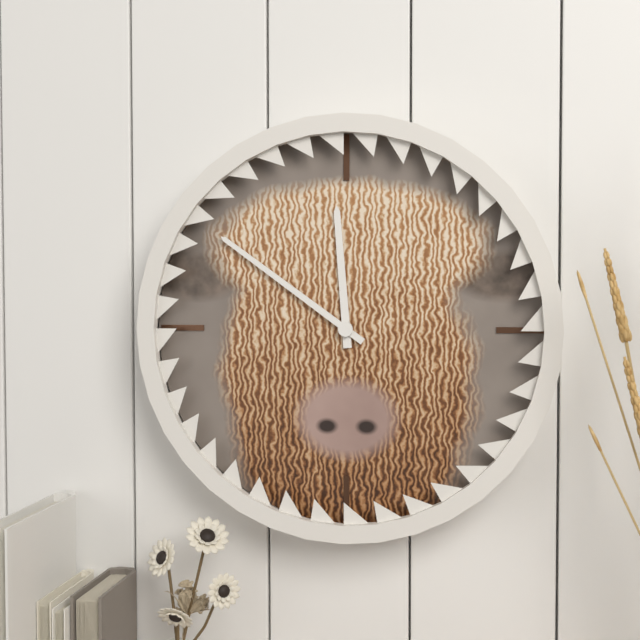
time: 11:51
